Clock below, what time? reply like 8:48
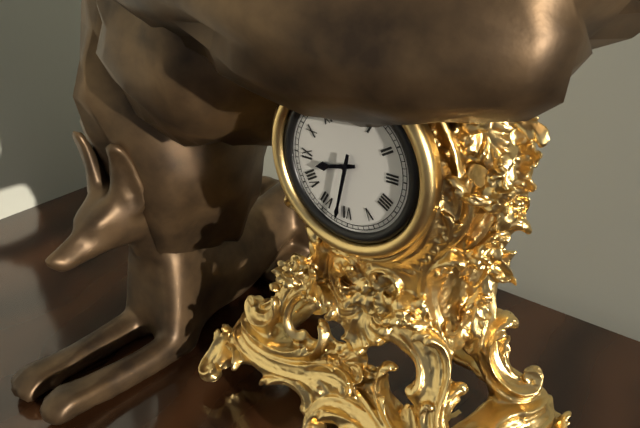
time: 8:32
